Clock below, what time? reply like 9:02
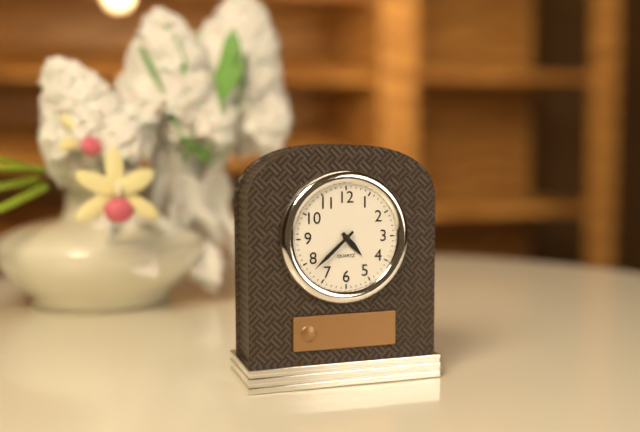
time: 4:38
